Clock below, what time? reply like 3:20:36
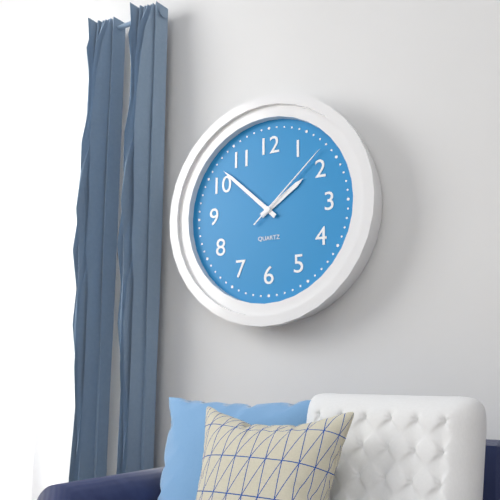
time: 1:52:08
